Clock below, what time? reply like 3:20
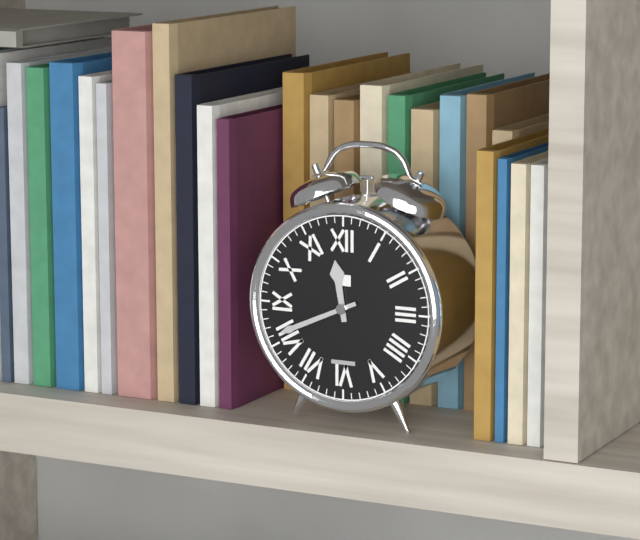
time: 11:41
